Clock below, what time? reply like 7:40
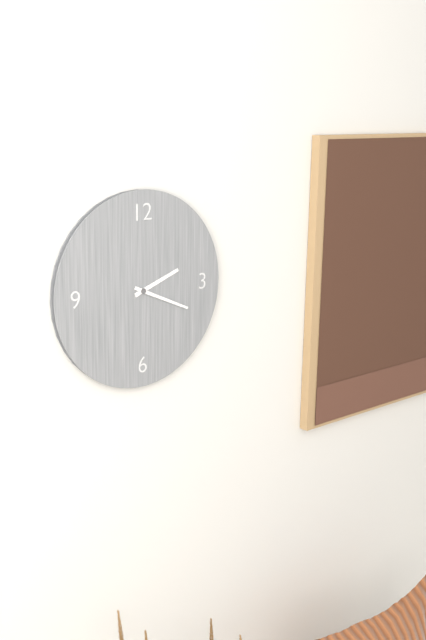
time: 2:19
